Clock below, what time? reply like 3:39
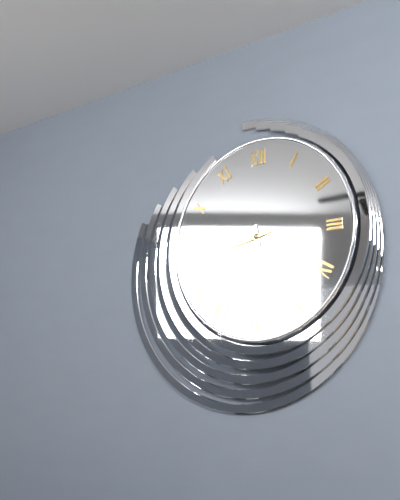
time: 5:43
